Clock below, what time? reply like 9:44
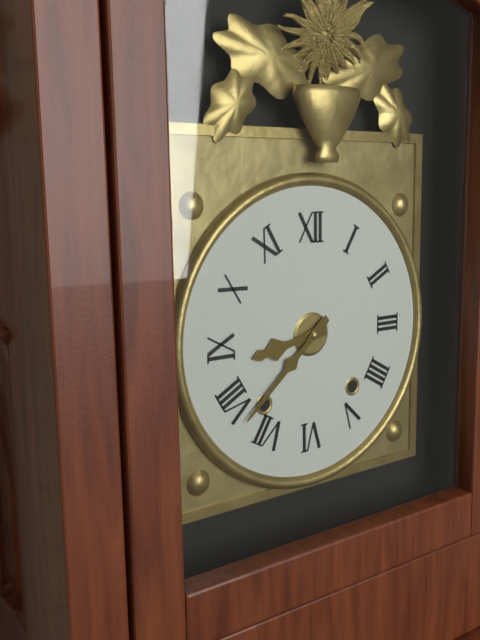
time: 8:38
